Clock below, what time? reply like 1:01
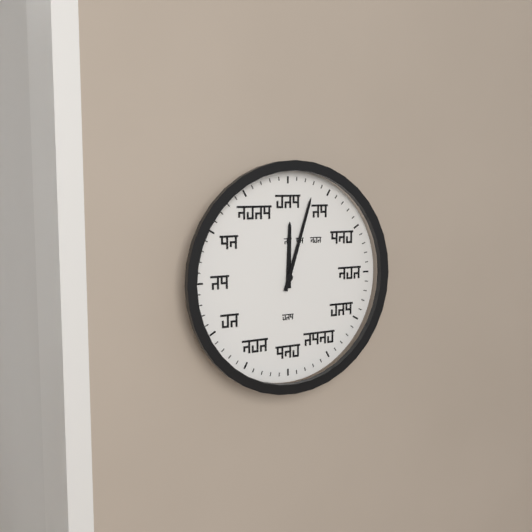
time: 12:03
